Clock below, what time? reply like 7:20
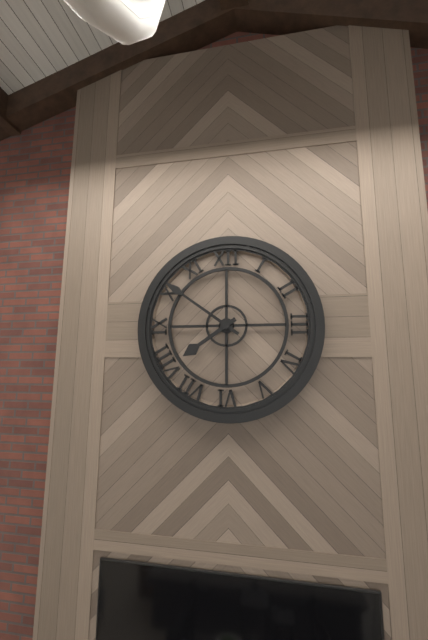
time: 7:51
